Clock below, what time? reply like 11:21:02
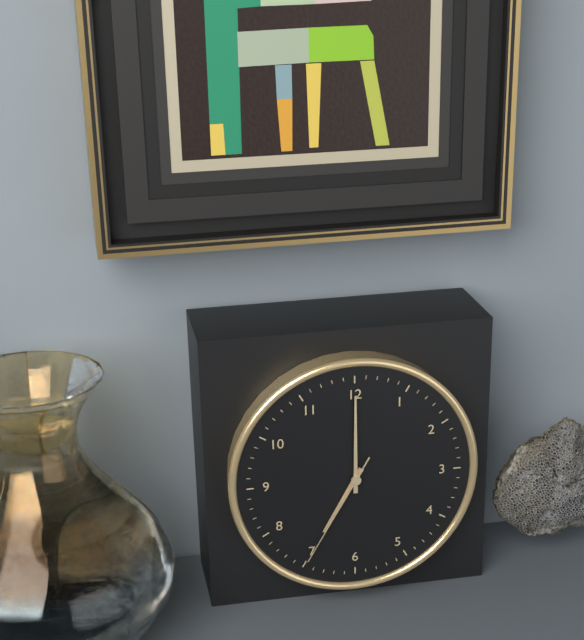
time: 7:00:35
